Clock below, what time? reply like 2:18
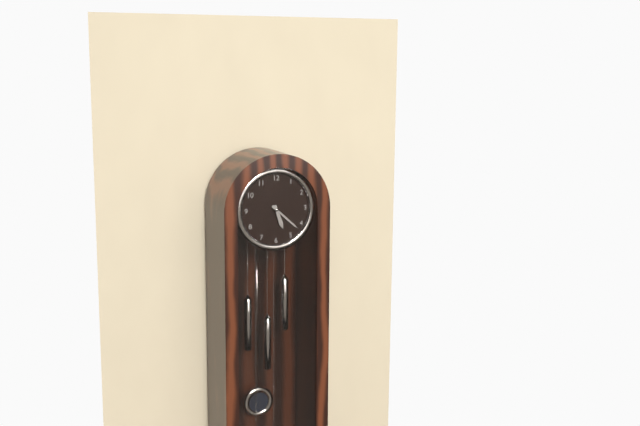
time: 5:22
